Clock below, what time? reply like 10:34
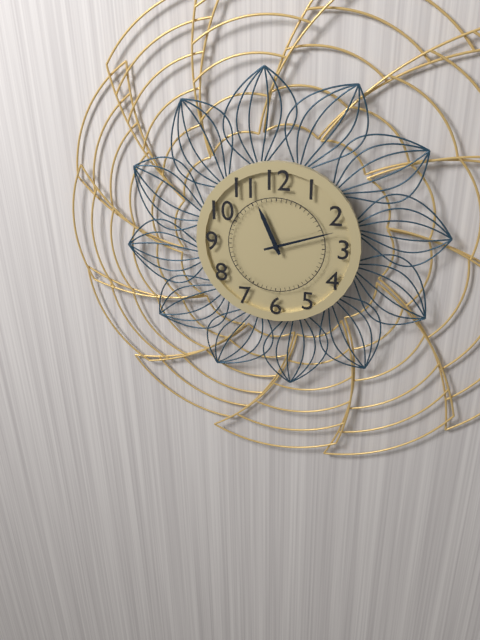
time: 11:12
